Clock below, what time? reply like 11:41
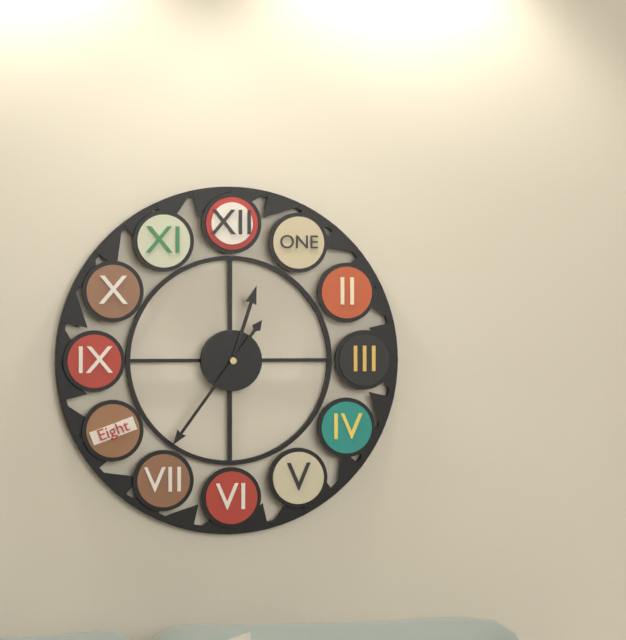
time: 12:36
